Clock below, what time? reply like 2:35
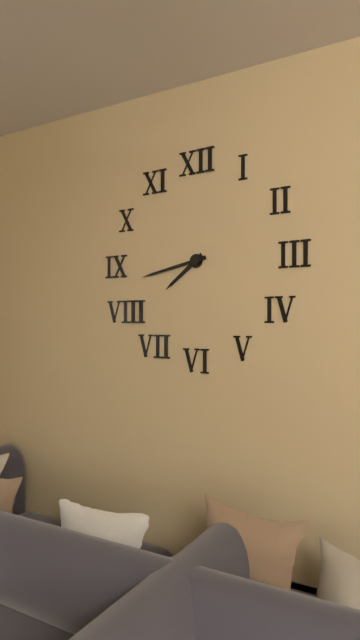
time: 7:43
